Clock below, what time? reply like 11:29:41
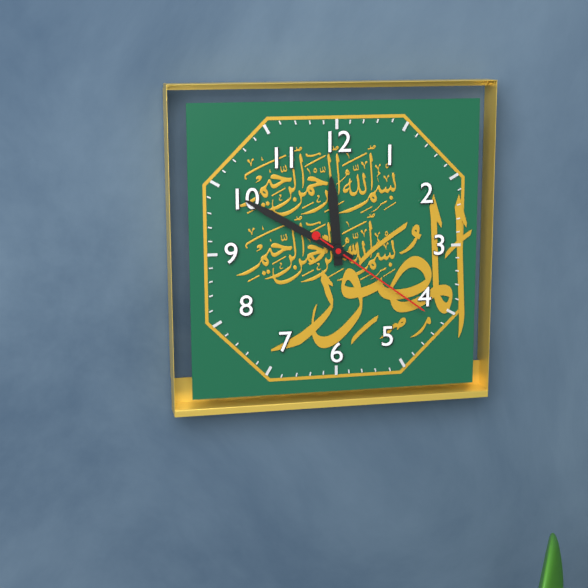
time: 11:50:21
